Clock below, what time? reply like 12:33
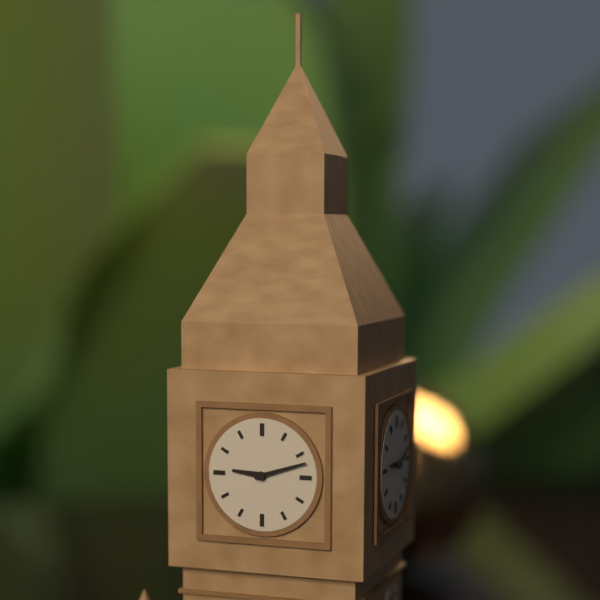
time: 9:12
